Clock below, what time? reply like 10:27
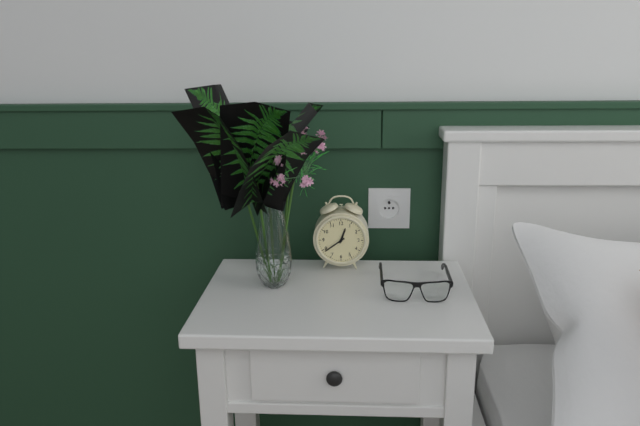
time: 12:39
